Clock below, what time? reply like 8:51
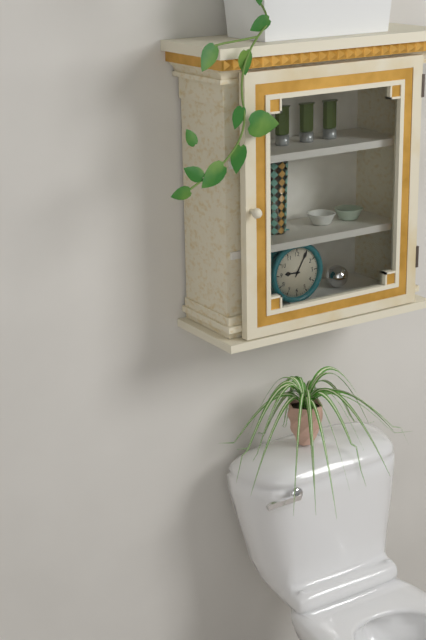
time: 9:05
